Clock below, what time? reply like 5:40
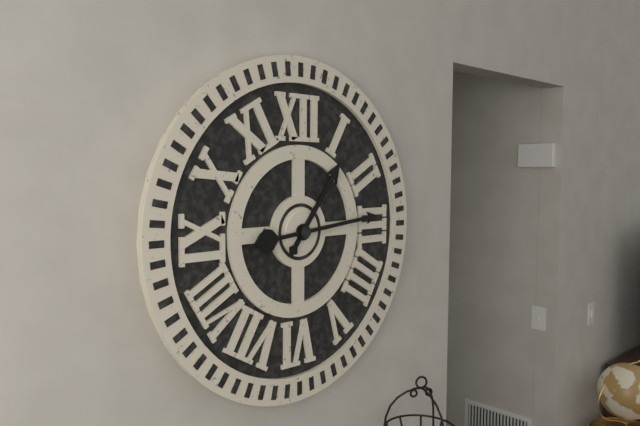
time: 1:14
